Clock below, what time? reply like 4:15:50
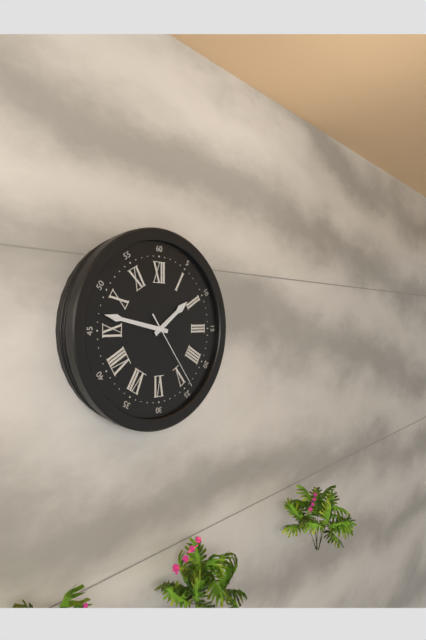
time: 1:47:24
